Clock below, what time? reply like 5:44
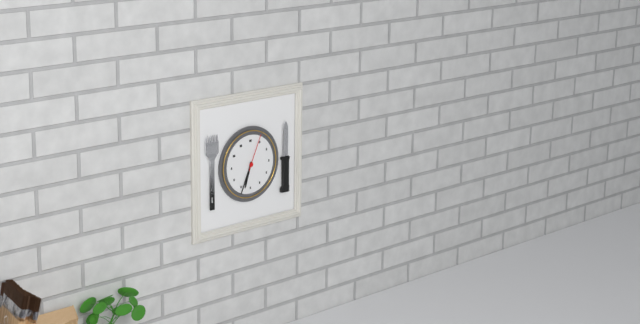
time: 6:34
